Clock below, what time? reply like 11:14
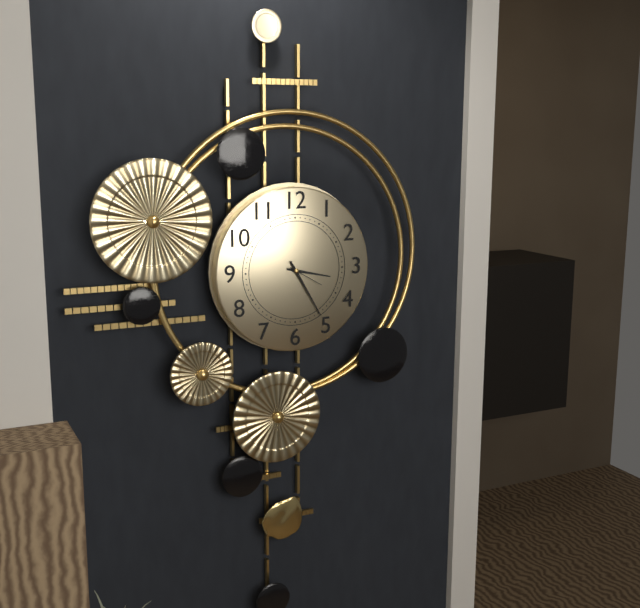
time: 3:25
